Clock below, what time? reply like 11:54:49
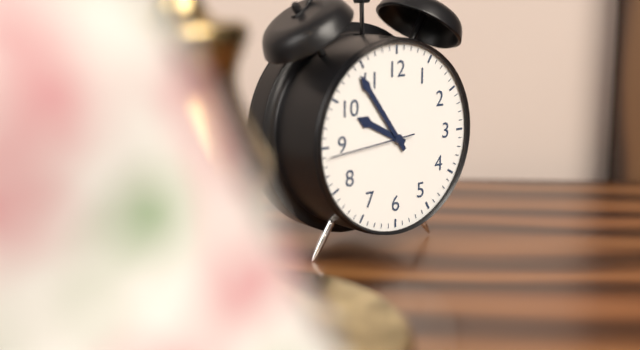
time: 9:54:44
